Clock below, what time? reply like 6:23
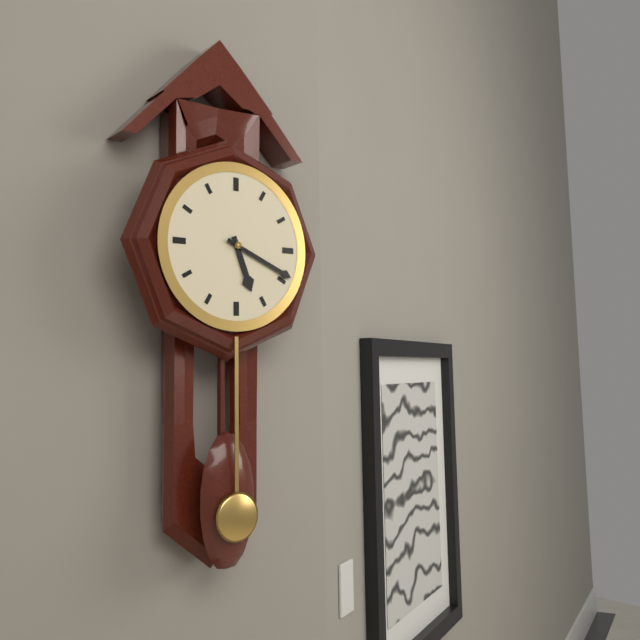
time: 5:19
